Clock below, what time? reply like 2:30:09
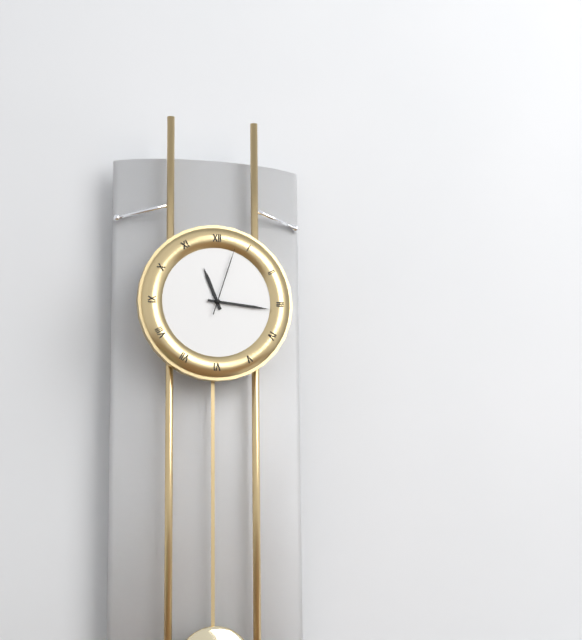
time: 11:16:03
